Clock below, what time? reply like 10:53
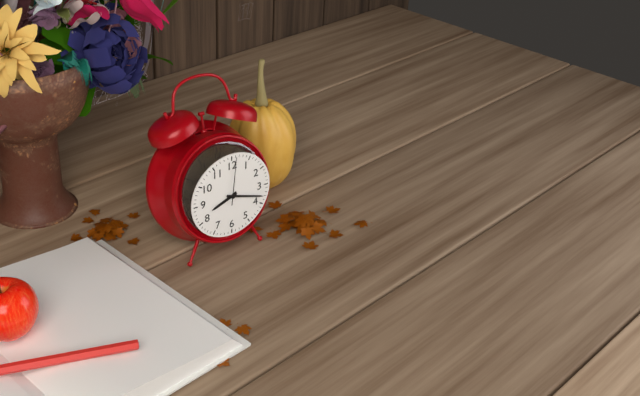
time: 8:18
